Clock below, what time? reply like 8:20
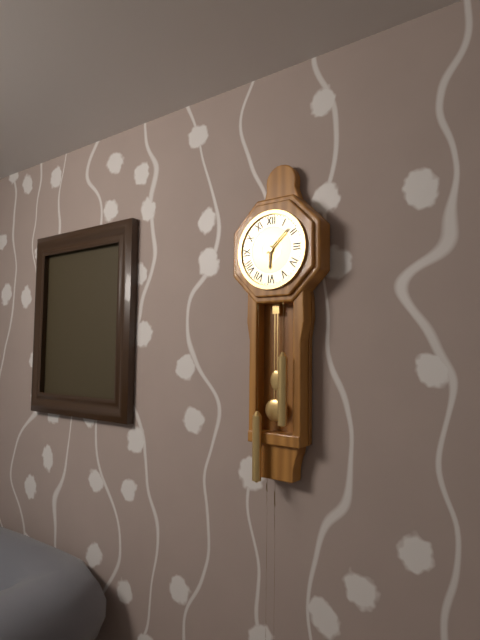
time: 6:08
